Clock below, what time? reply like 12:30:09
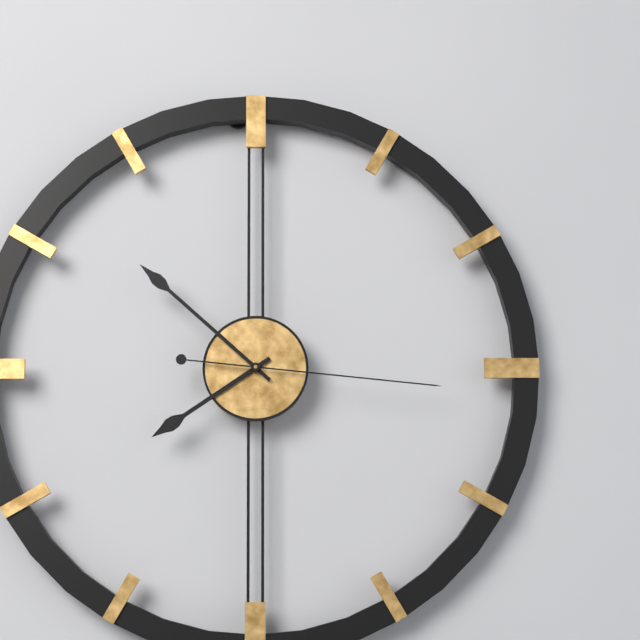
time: 7:52:16
